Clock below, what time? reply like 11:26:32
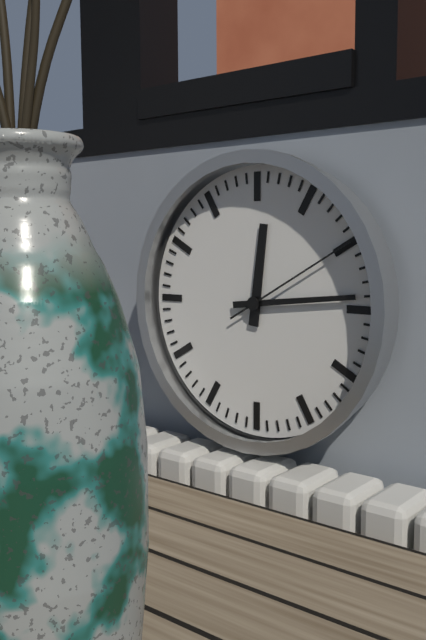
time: 12:14:10
